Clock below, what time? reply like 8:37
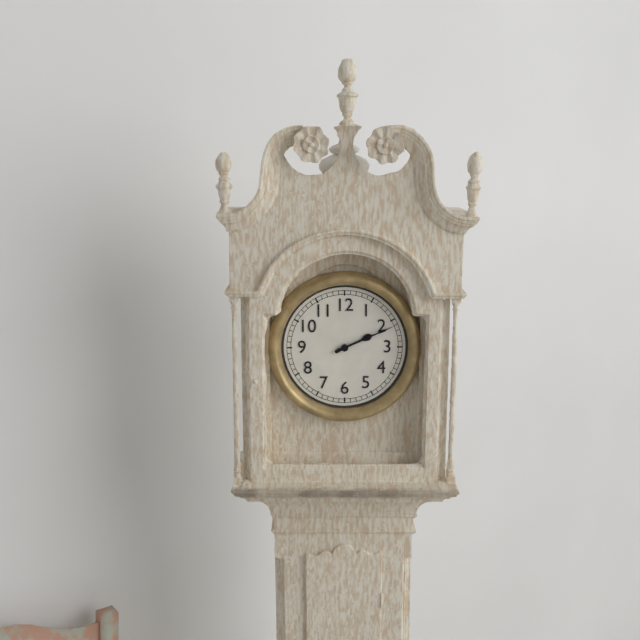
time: 2:11
